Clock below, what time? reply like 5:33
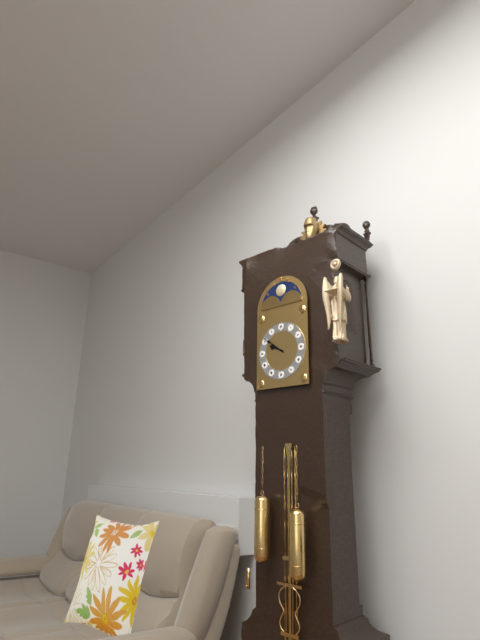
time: 9:51
